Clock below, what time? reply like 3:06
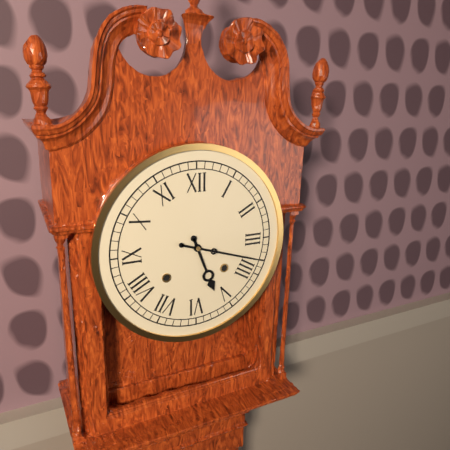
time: 5:18
